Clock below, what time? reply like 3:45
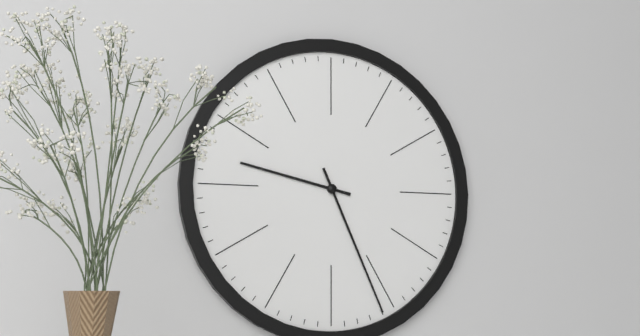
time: 9:26
